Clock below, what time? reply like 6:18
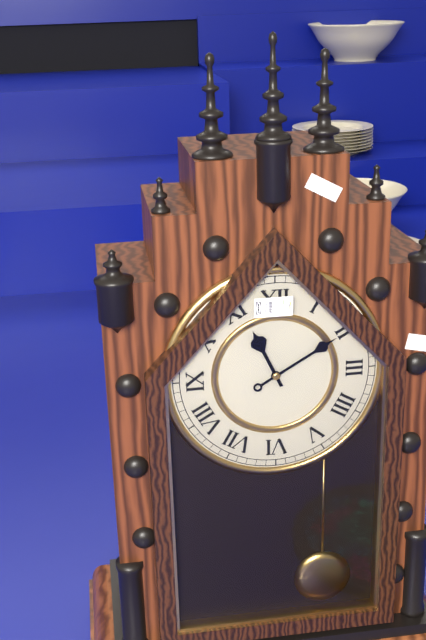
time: 11:10
